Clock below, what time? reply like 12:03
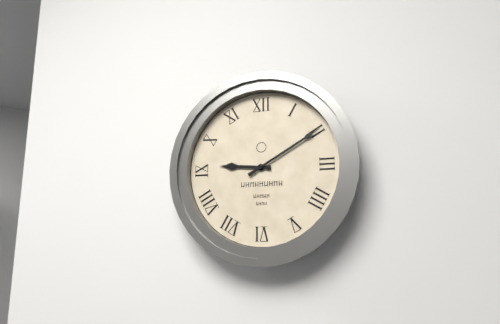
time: 9:10
